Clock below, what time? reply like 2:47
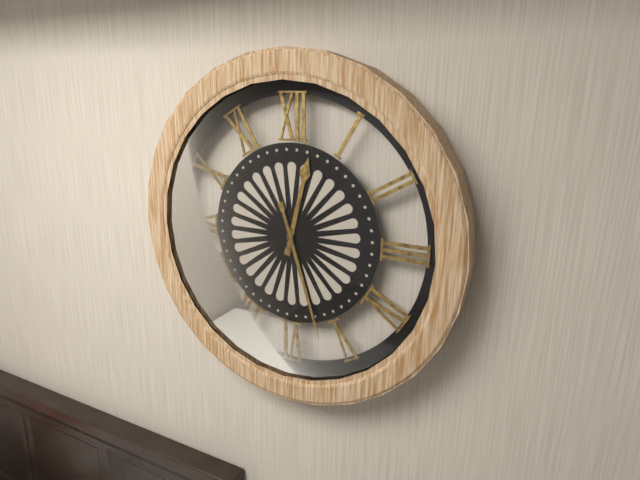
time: 12:27
